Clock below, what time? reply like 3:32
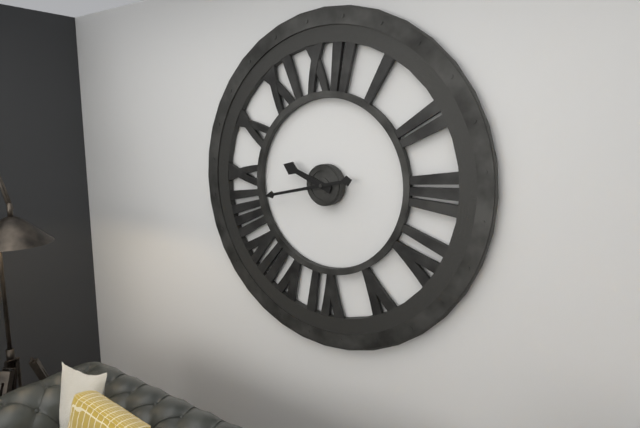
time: 9:43
